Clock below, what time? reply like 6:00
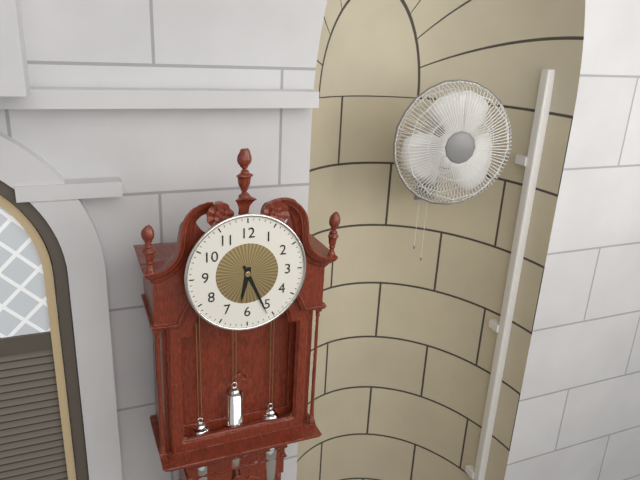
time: 6:26
